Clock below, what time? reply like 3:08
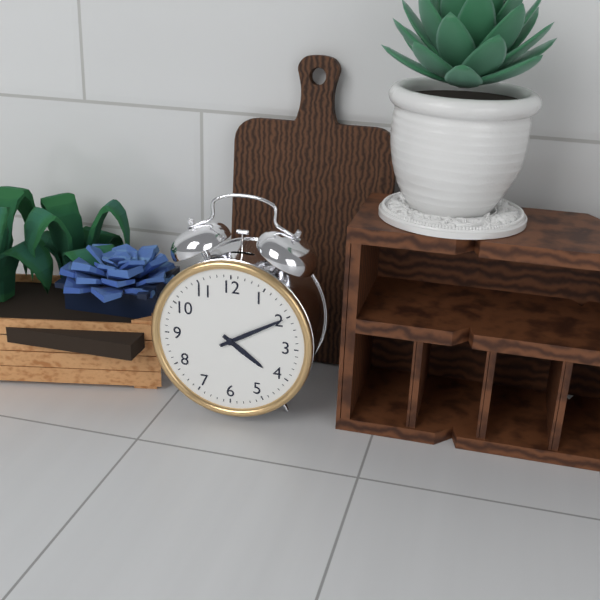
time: 4:10
